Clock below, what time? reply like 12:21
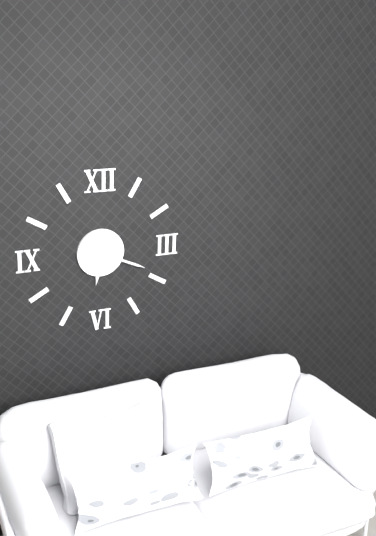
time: 6:19
